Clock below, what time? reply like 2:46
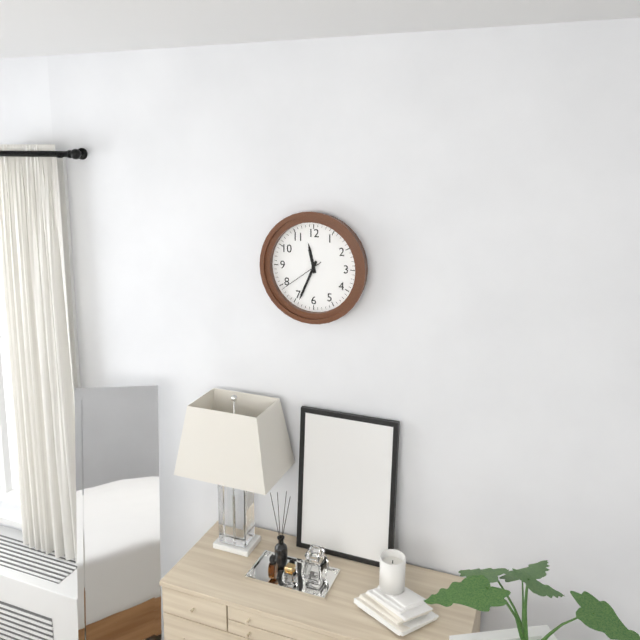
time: 11:34
